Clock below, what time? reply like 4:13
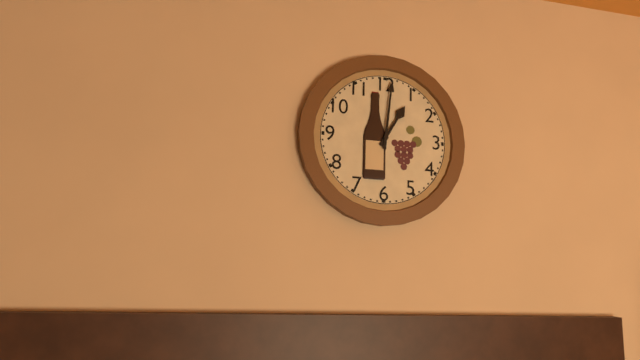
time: 1:01
